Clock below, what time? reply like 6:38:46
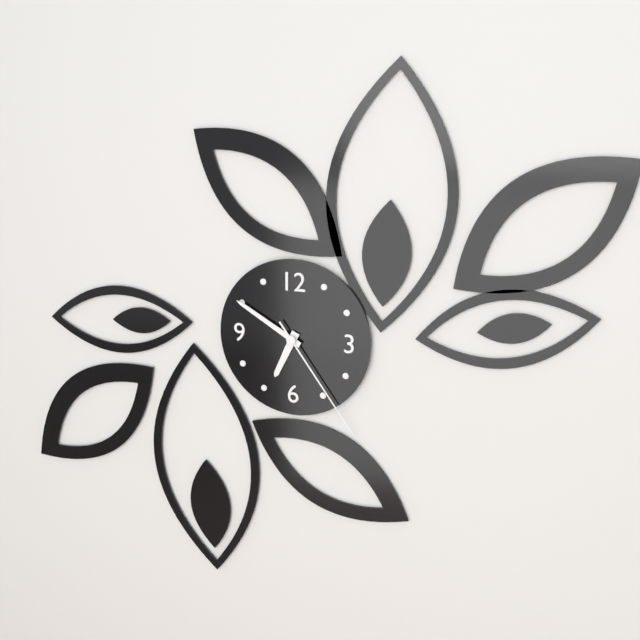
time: 6:50:24
